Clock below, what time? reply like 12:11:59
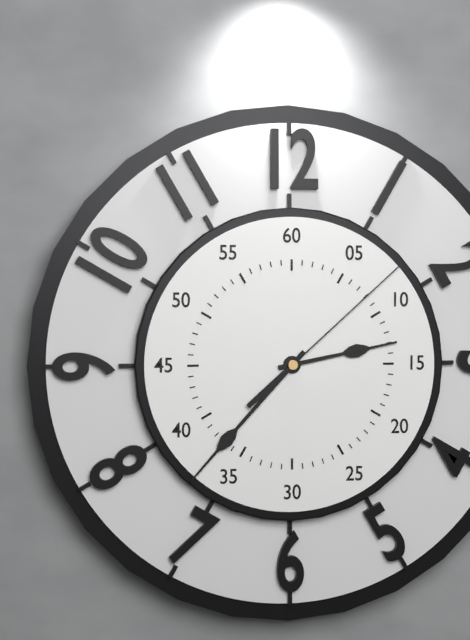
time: 2:37:08
